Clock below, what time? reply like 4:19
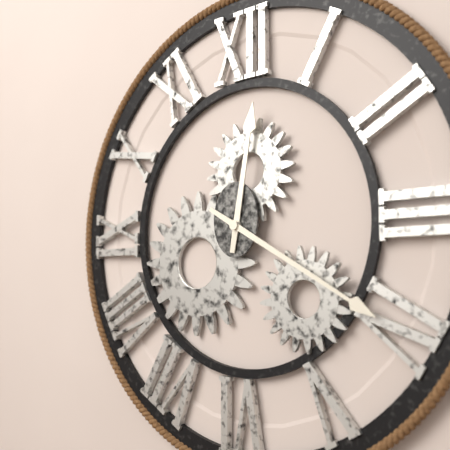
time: 12:20
